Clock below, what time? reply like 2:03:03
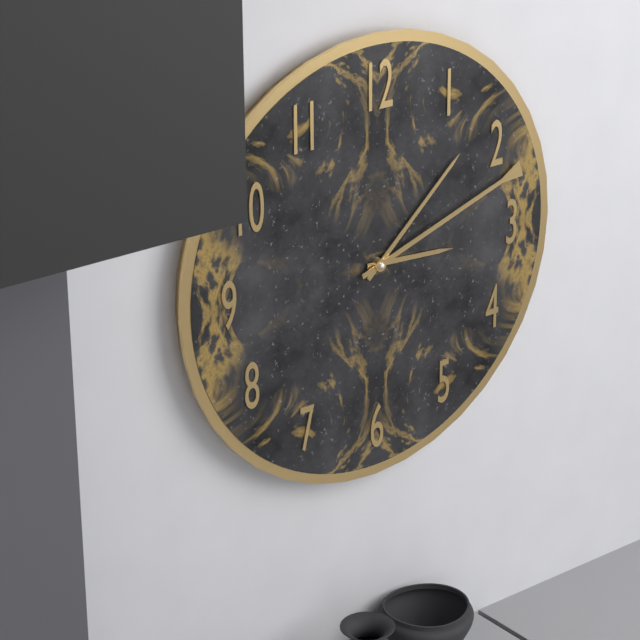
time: 3:08:12
